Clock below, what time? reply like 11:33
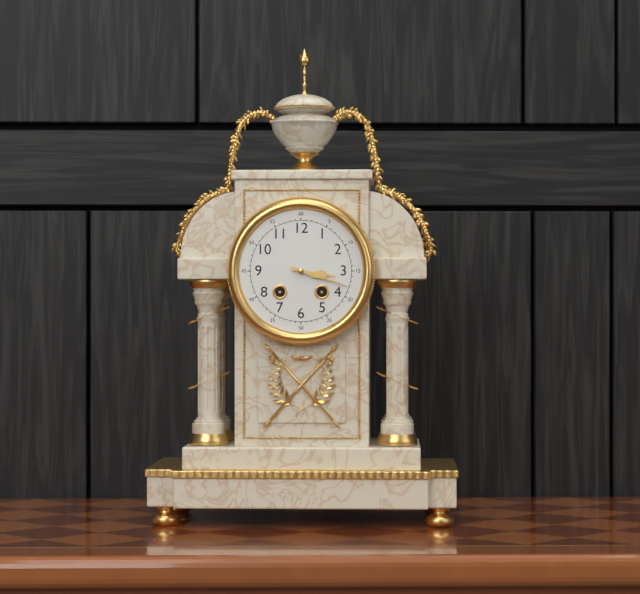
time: 3:18
